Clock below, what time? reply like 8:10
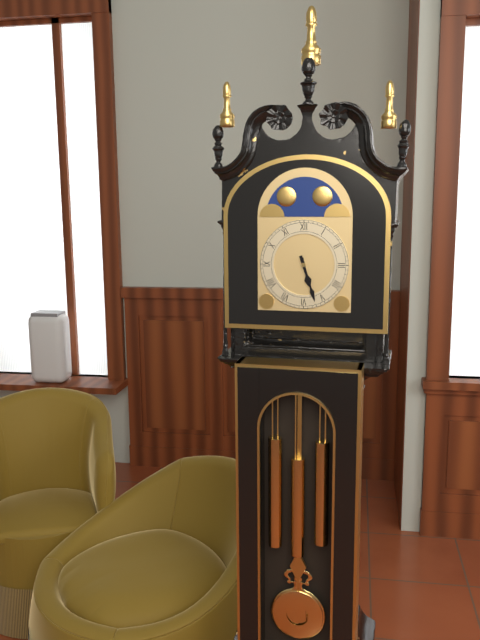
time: 5:27
